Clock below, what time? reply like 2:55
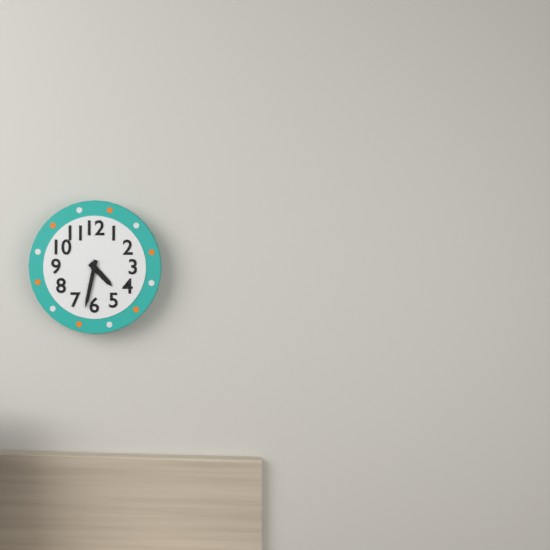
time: 4:32
